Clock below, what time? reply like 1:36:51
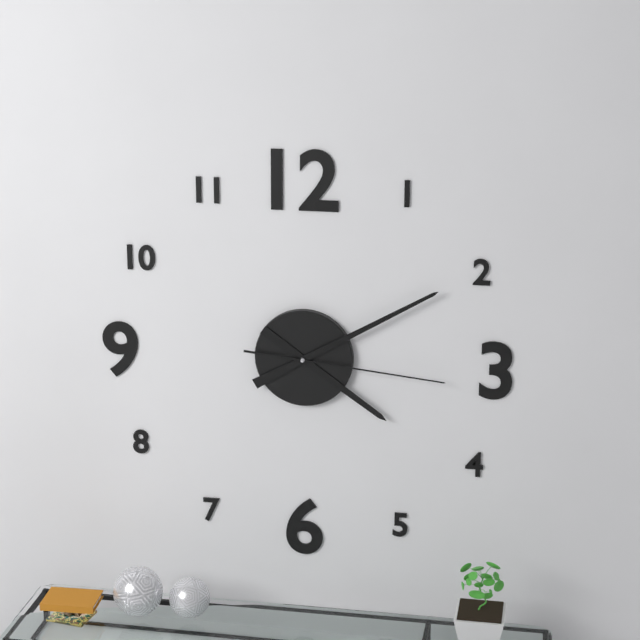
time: 4:10:16
